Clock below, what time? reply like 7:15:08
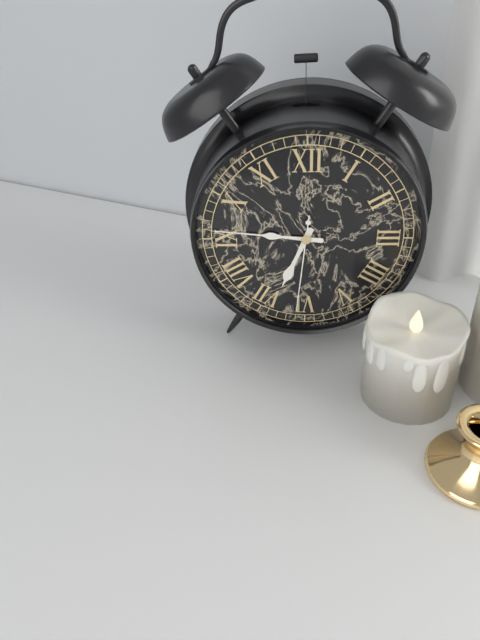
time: 6:46:31
